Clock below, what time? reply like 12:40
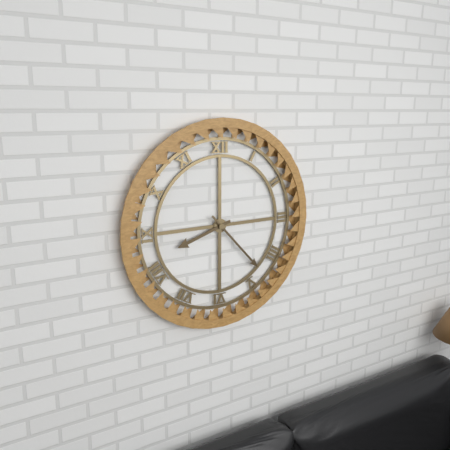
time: 8:23
